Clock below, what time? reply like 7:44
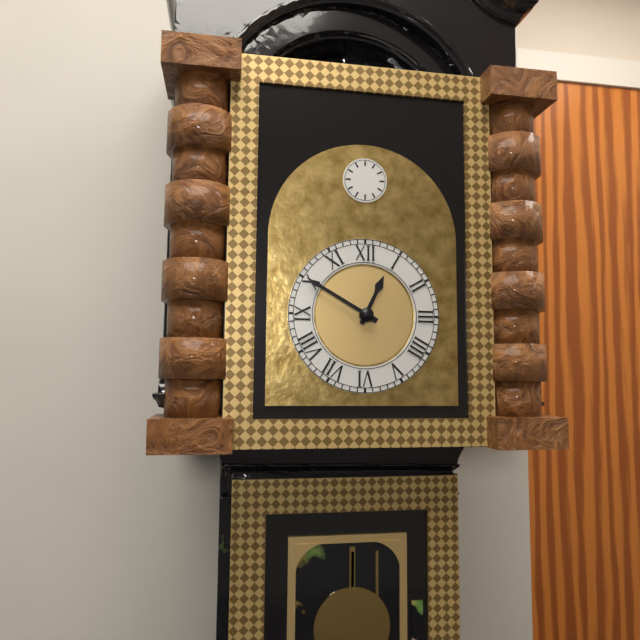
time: 12:50
